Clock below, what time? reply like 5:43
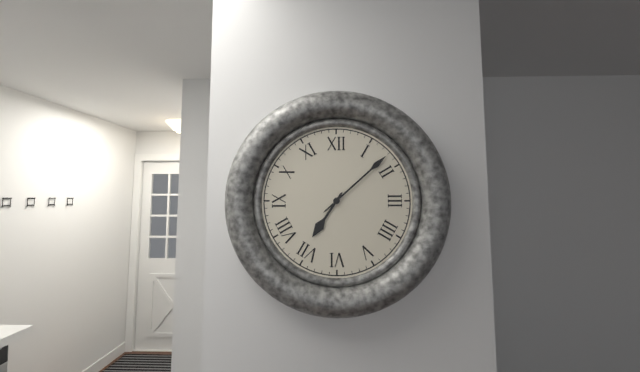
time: 7:08
